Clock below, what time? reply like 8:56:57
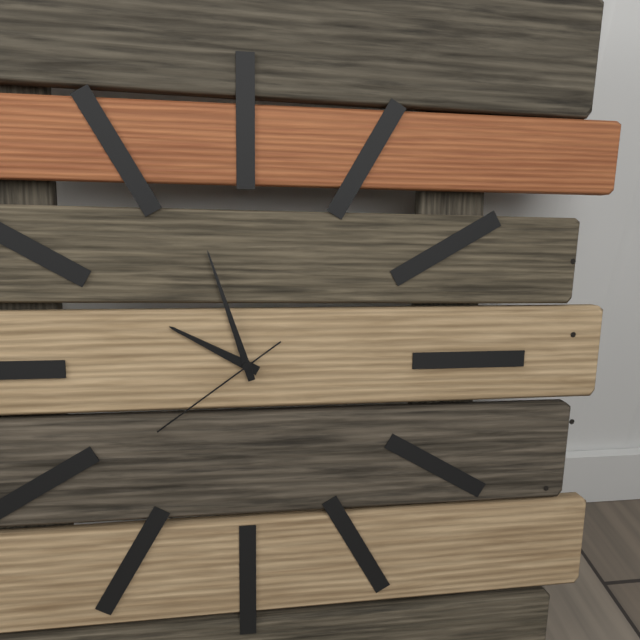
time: 9:57:39
